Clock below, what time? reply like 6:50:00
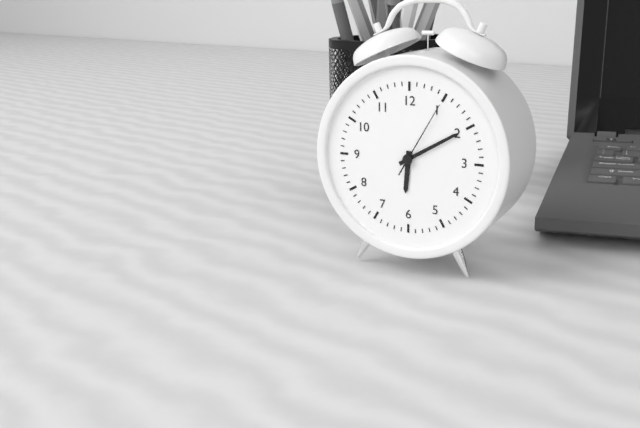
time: 6:10:05
